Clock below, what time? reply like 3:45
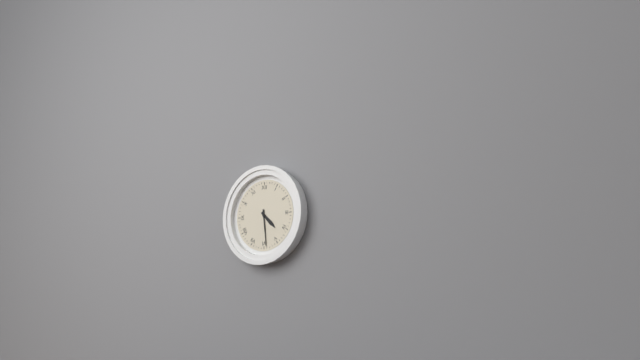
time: 4:29
